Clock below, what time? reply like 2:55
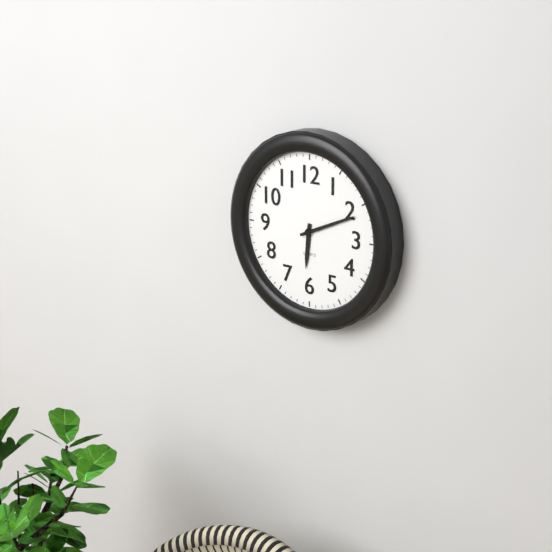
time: 6:11
